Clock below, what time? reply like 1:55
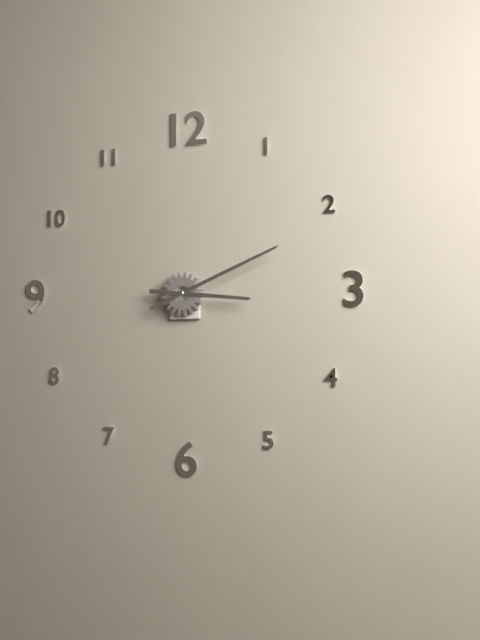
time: 3:11
